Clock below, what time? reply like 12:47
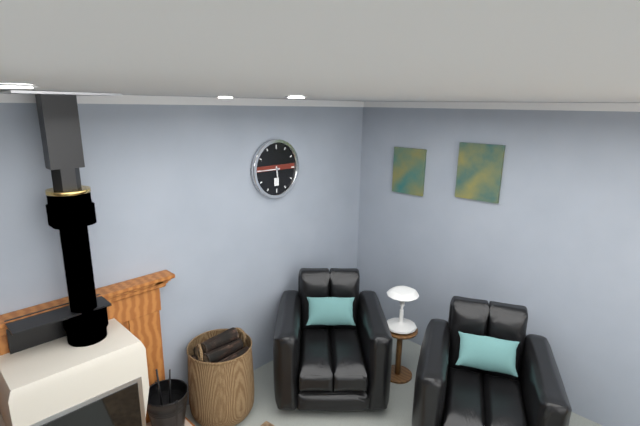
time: 5:45
